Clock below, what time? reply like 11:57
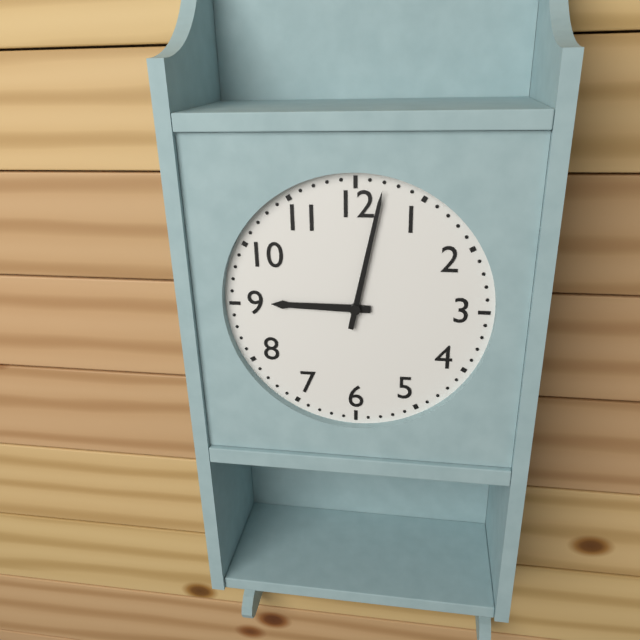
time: 9:02
